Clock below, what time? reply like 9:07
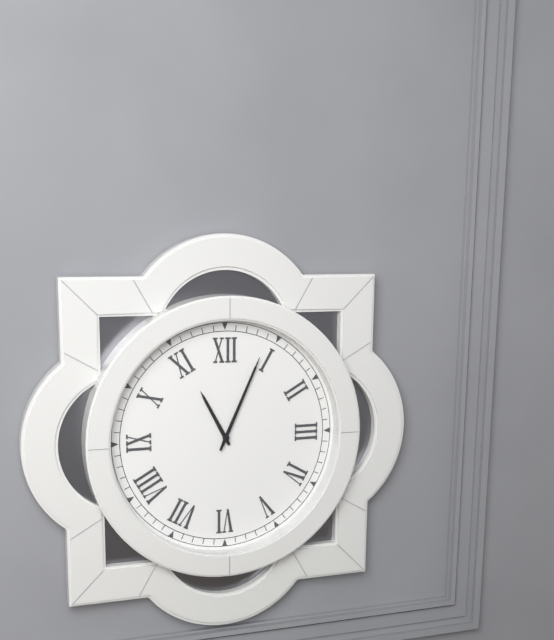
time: 11:04
